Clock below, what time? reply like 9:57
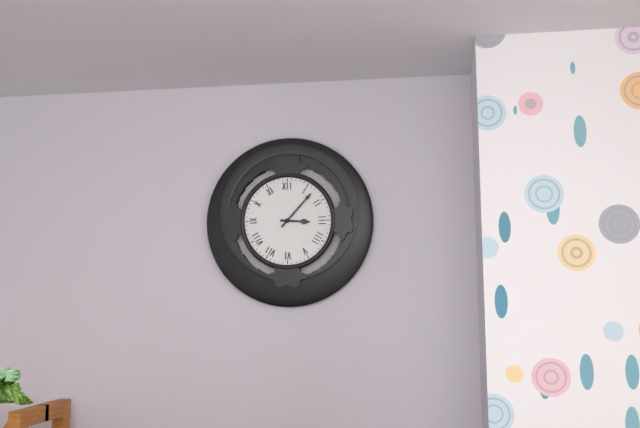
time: 3:07
